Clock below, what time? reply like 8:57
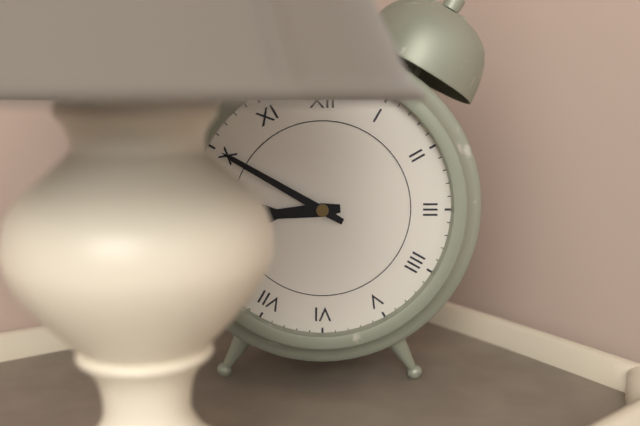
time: 8:50
